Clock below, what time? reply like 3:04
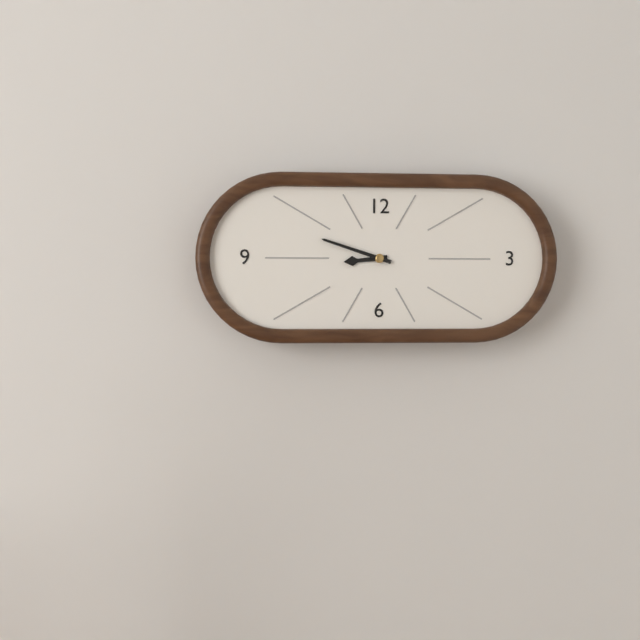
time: 8:48
